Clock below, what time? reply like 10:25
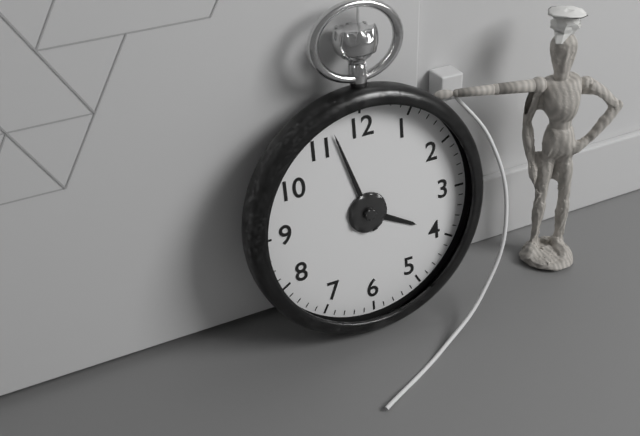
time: 3:57
